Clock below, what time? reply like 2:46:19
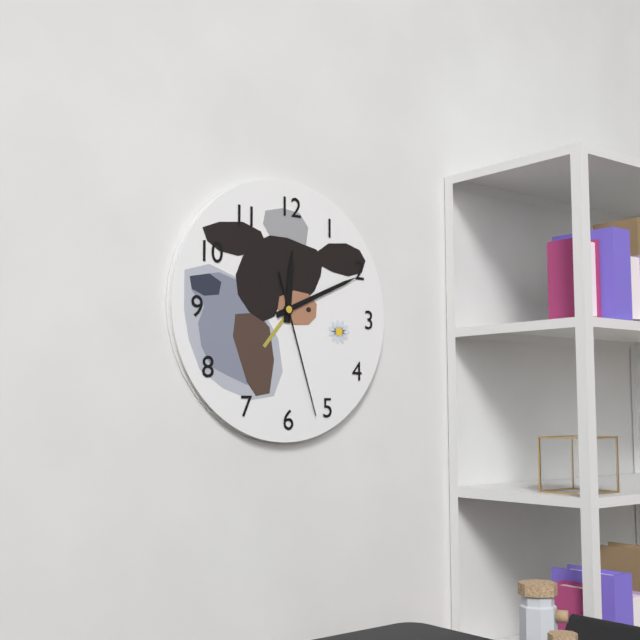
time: 12:11:27
